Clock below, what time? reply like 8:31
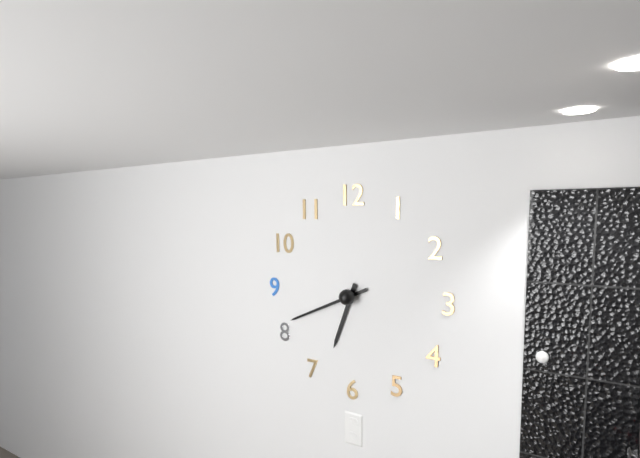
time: 6:41
